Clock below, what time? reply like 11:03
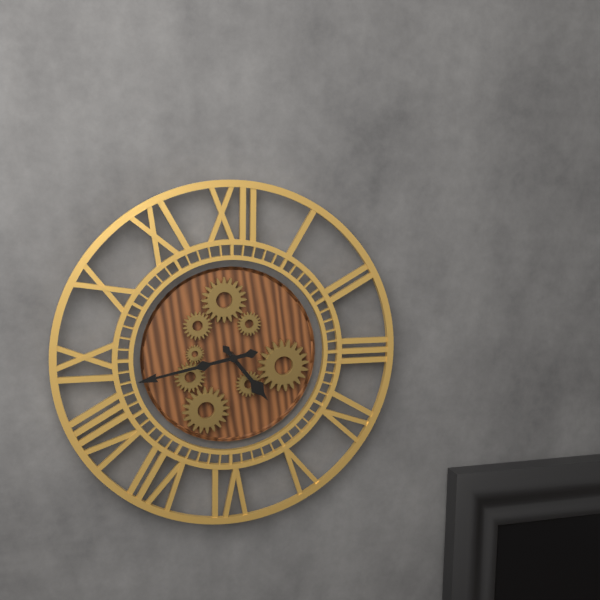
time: 4:43
